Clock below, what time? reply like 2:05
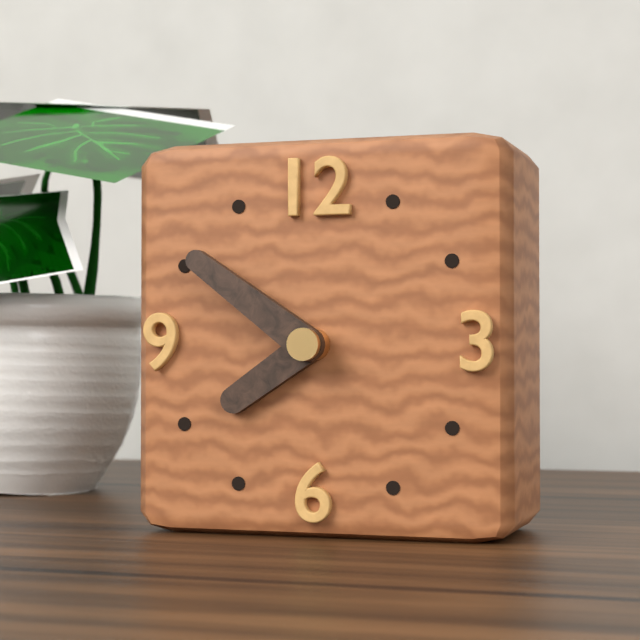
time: 7:51
